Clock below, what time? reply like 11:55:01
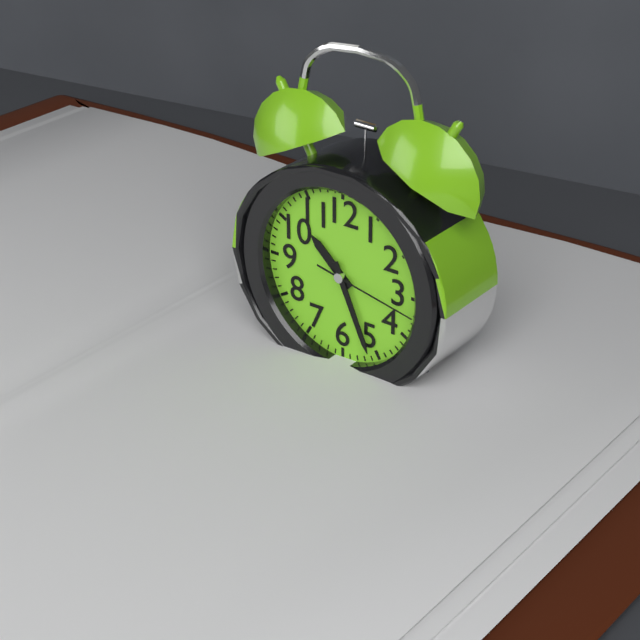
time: 10:26:17
